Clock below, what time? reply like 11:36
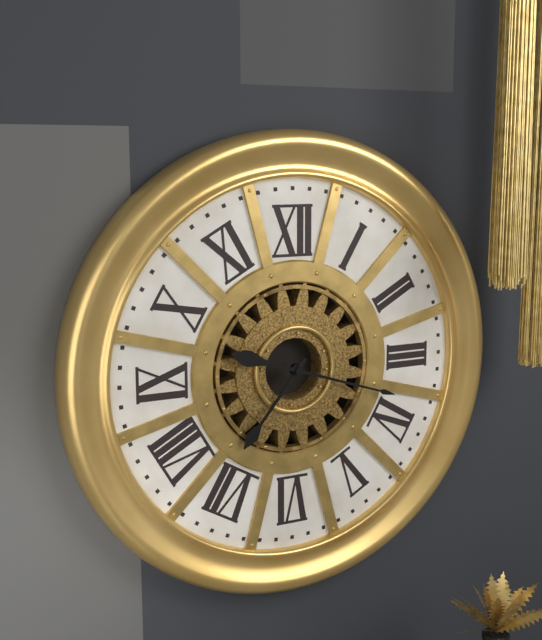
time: 7:18
